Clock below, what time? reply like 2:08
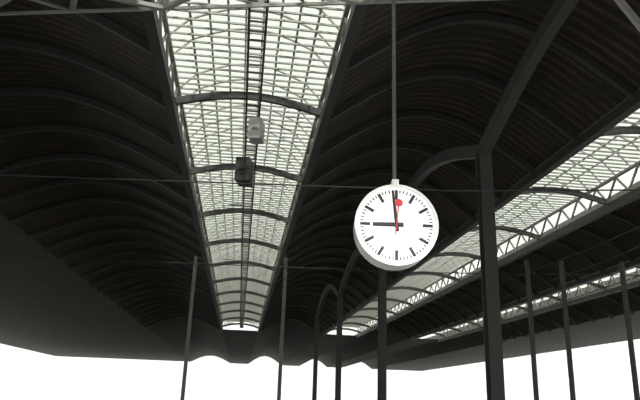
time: 8:59
